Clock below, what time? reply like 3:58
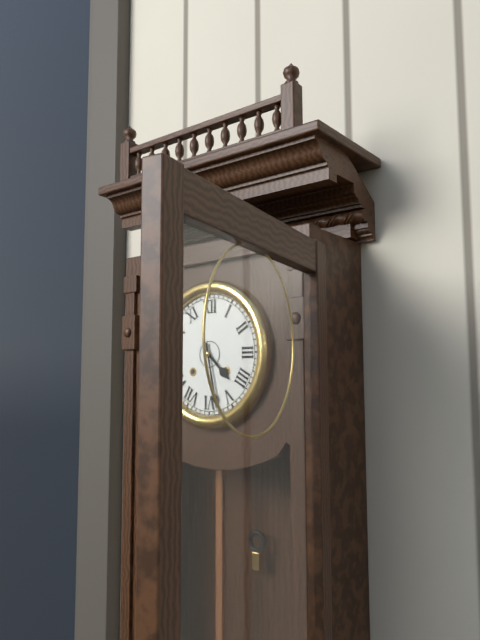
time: 4:28
